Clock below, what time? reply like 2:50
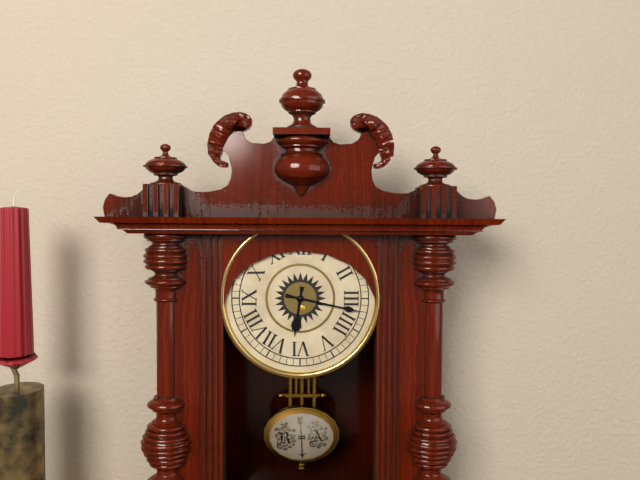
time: 6:17
